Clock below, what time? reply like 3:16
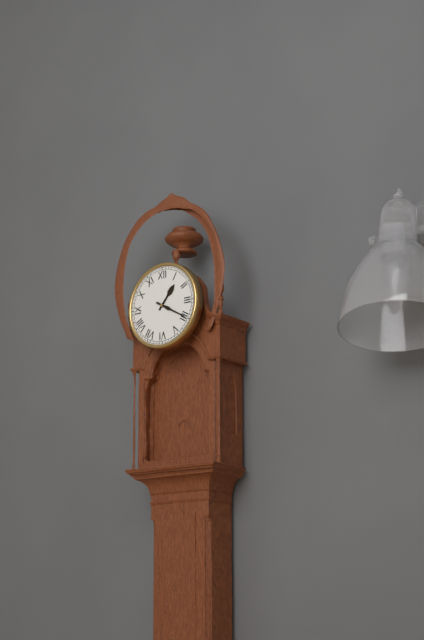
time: 1:20
